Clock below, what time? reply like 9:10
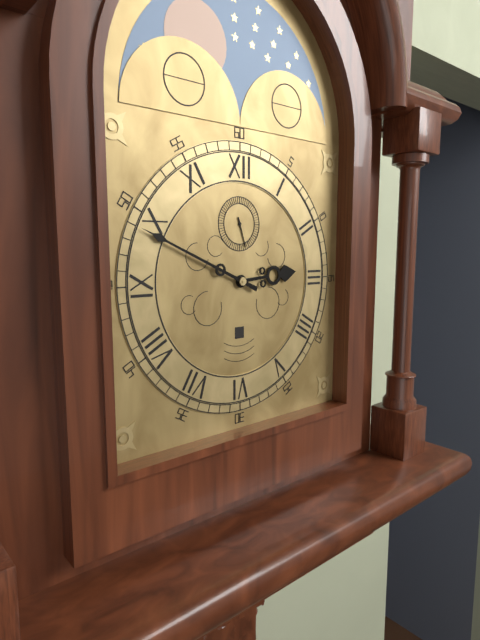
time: 2:49
